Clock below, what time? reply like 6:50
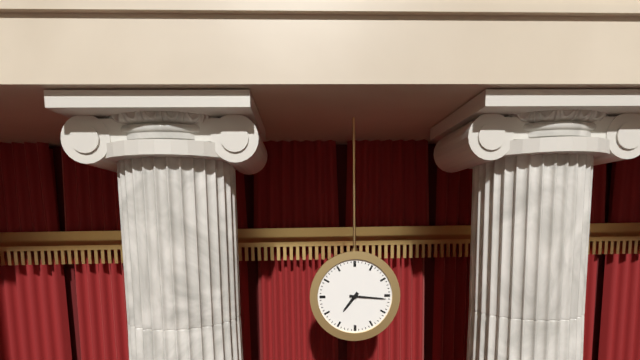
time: 7:16
